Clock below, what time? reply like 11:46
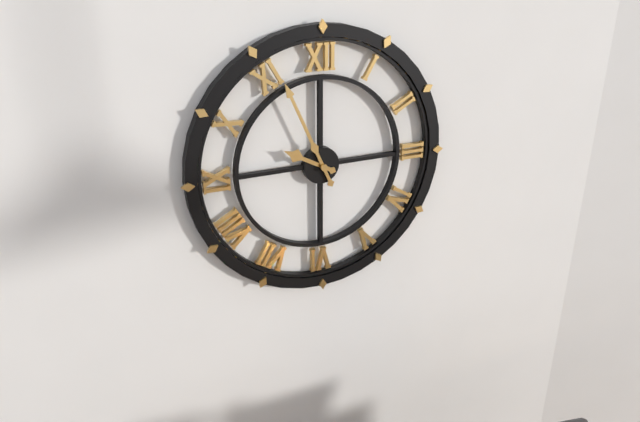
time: 9:56
